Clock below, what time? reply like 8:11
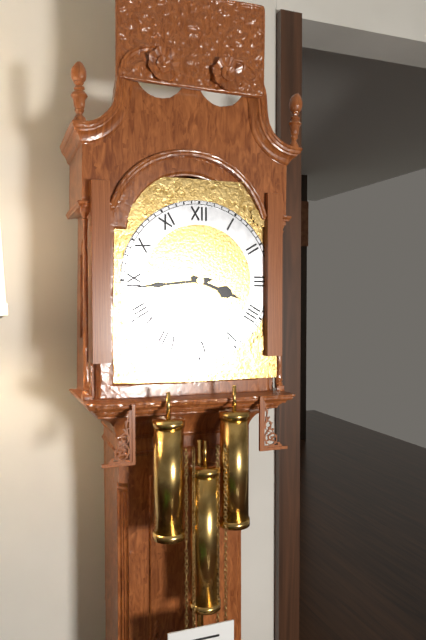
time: 3:44
